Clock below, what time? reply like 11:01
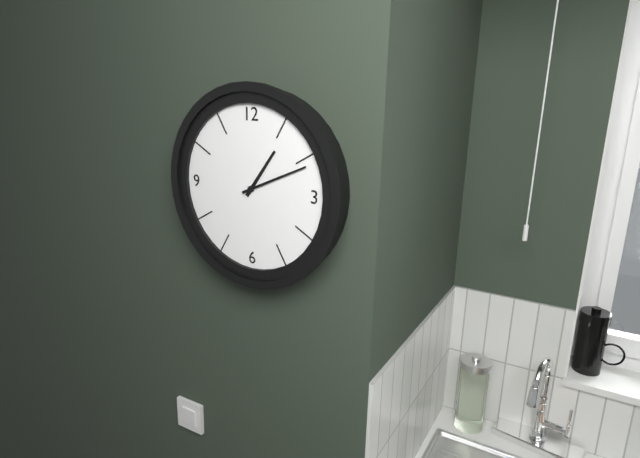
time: 1:11
